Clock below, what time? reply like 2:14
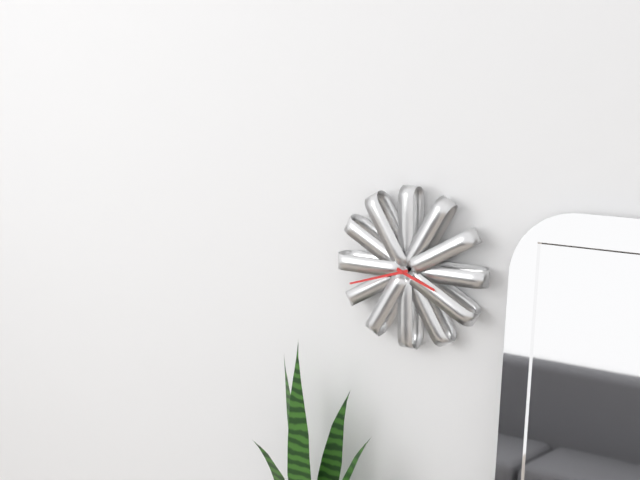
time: 3:42
